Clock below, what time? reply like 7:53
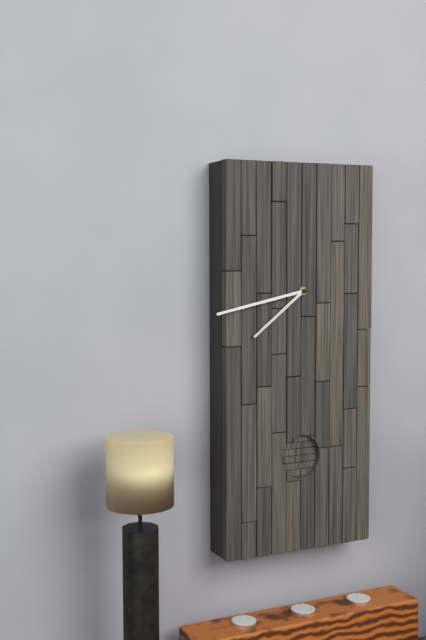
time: 7:43
